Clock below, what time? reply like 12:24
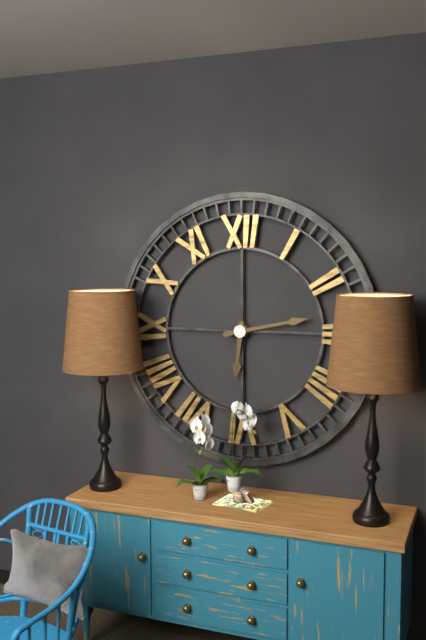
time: 6:13
